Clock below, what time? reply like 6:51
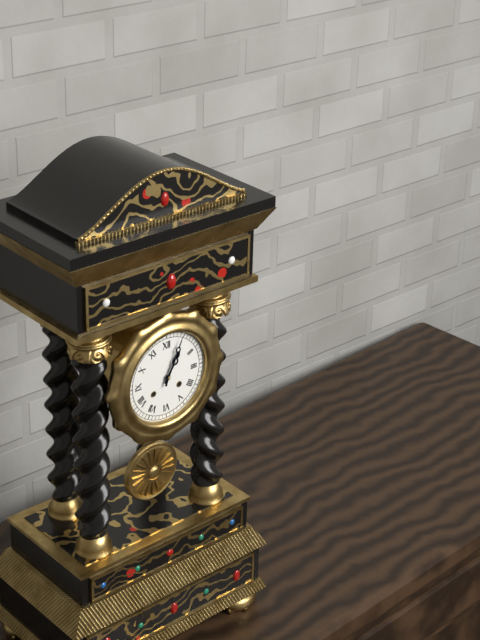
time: 1:04
